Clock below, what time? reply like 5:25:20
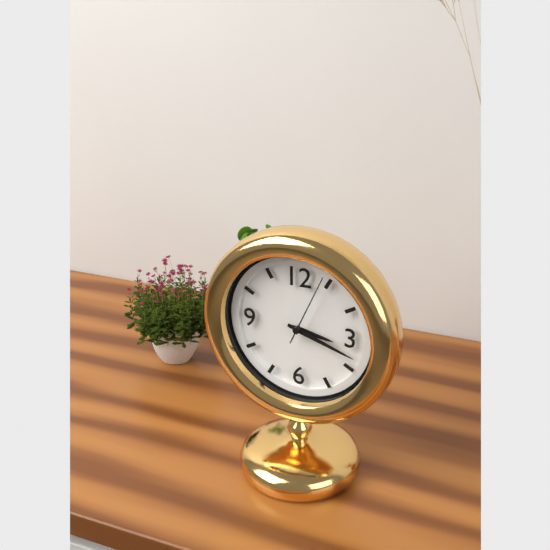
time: 3:18:04
